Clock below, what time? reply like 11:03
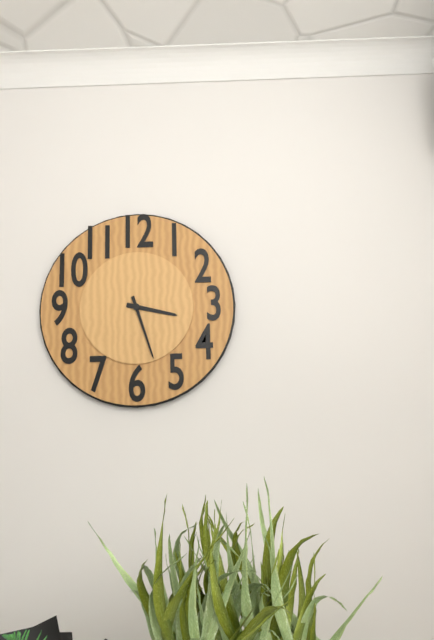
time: 3:27
